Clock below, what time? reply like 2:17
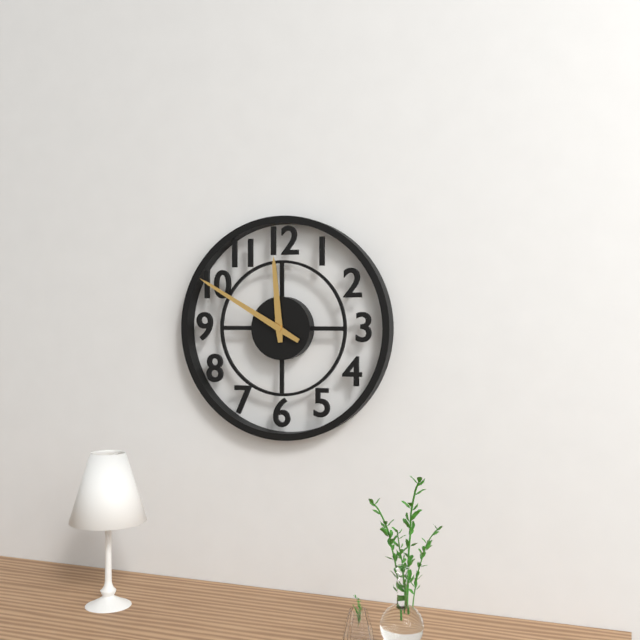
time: 11:50
